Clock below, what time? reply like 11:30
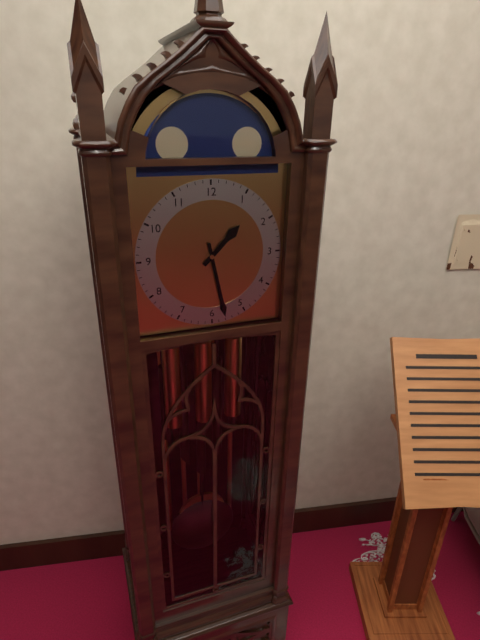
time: 1:28
